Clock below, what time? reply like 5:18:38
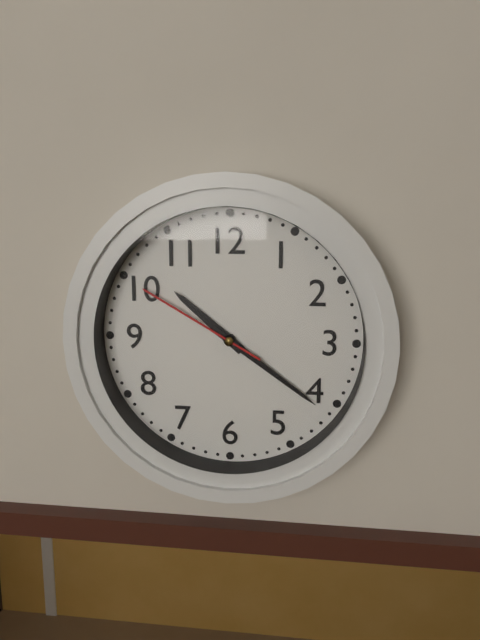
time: 10:21:50
